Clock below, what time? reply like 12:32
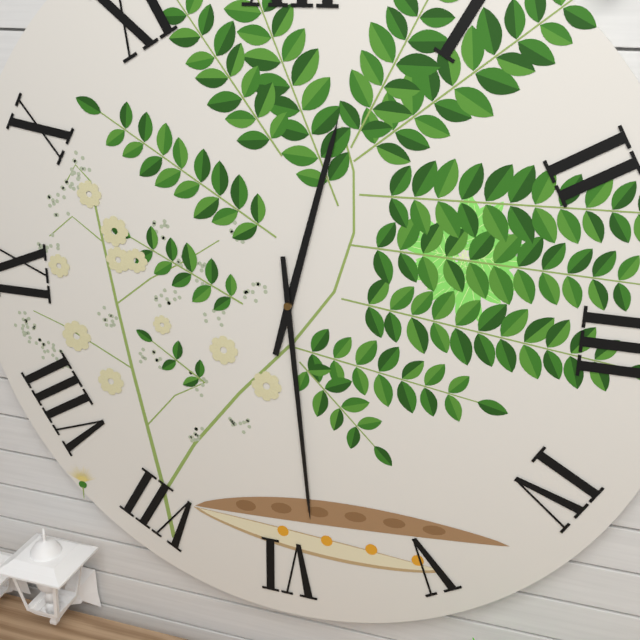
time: 12:29
